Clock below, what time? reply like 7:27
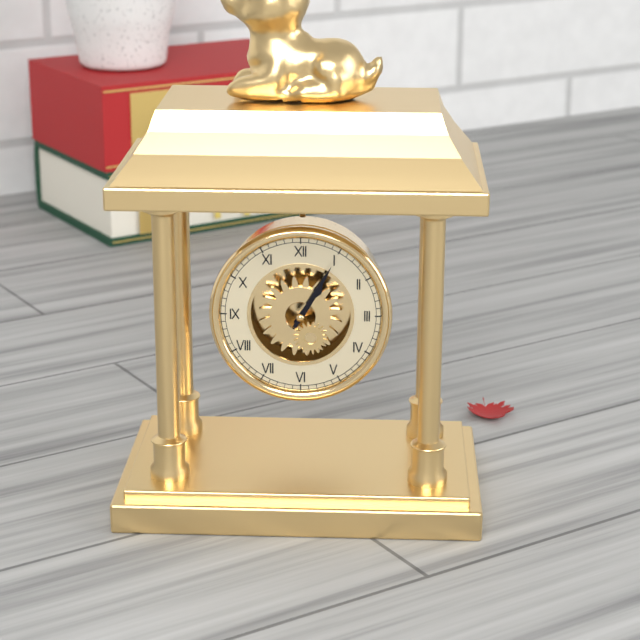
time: 1:05
